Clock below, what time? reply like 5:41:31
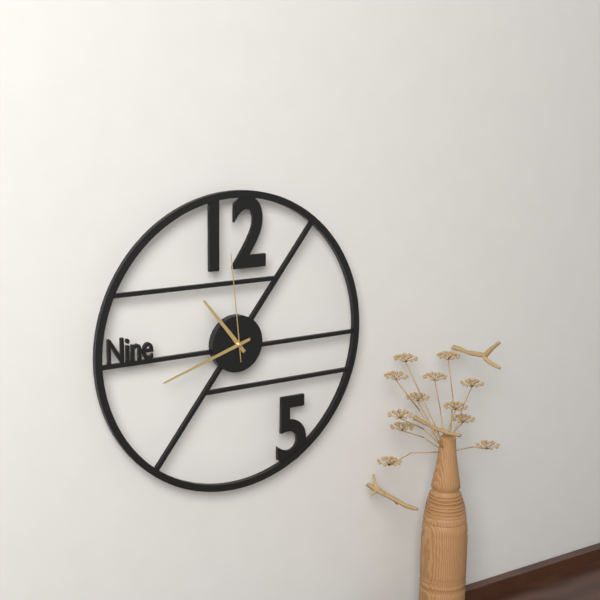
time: 10:42:59
